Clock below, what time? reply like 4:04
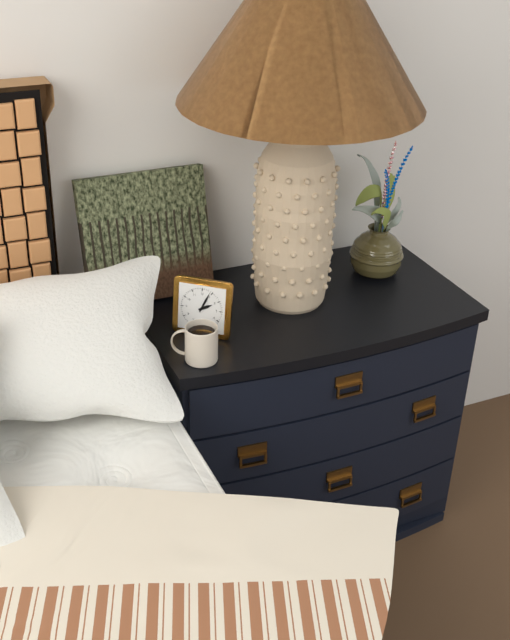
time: 2:04
